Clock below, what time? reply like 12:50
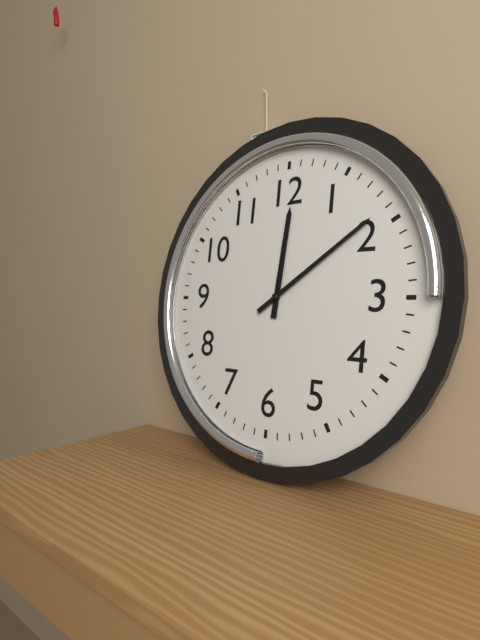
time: 12:09
